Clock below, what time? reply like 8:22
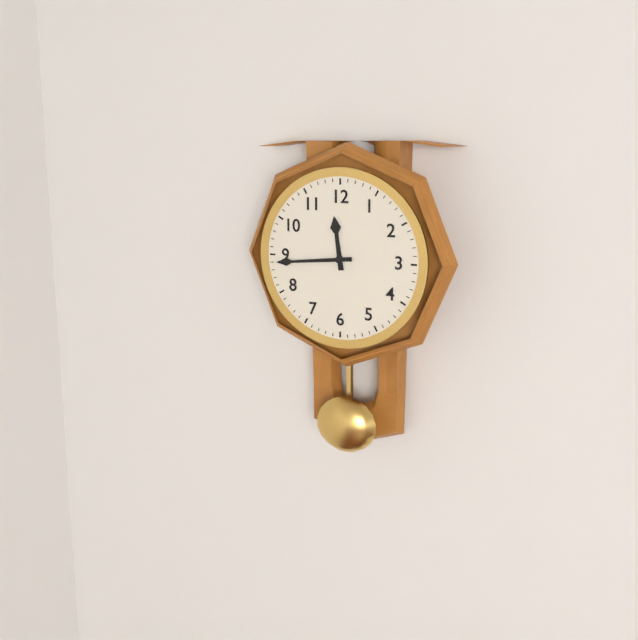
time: 11:44
